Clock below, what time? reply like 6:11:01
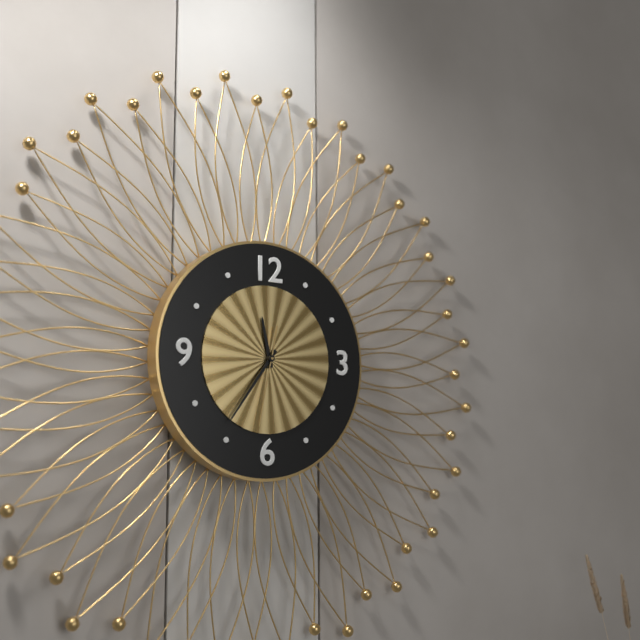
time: 11:36:32
